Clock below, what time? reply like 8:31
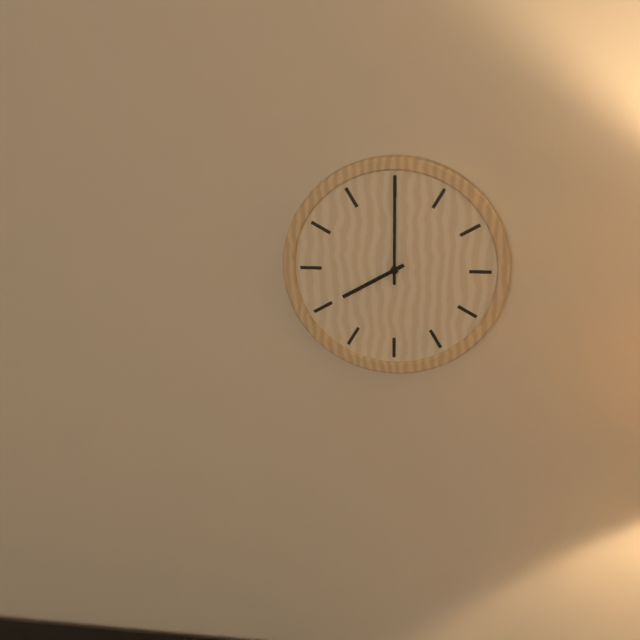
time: 8:00
